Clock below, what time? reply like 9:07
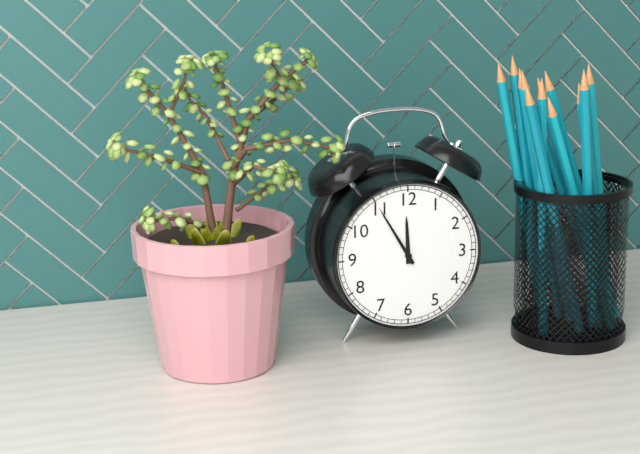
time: 11:55
